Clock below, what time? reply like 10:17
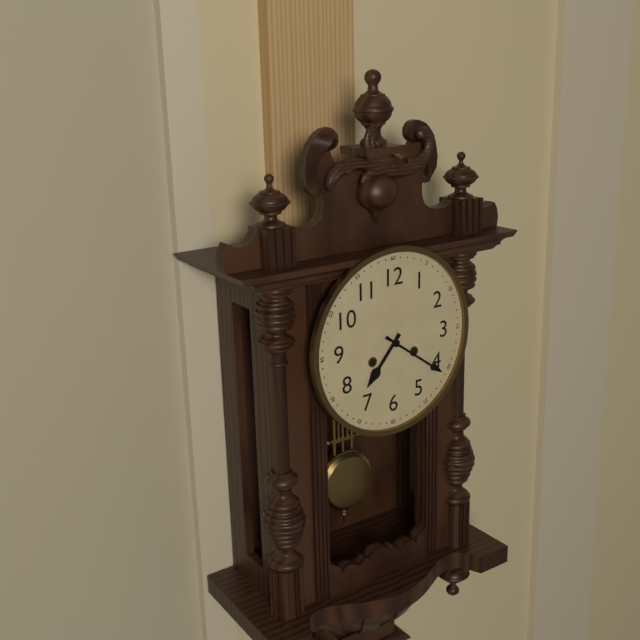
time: 7:21
